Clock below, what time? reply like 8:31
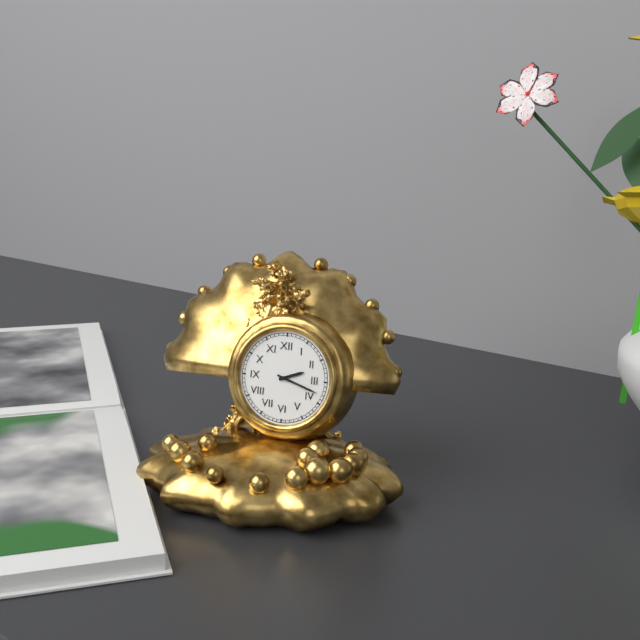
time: 2:18
